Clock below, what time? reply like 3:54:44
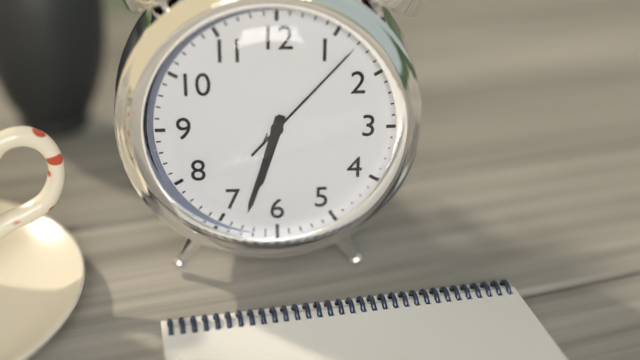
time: 6:33:07
